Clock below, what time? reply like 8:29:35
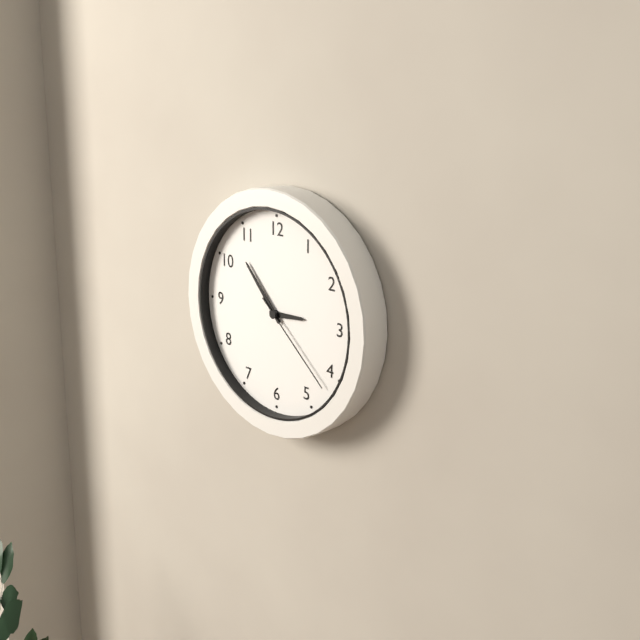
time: 2:53:22
